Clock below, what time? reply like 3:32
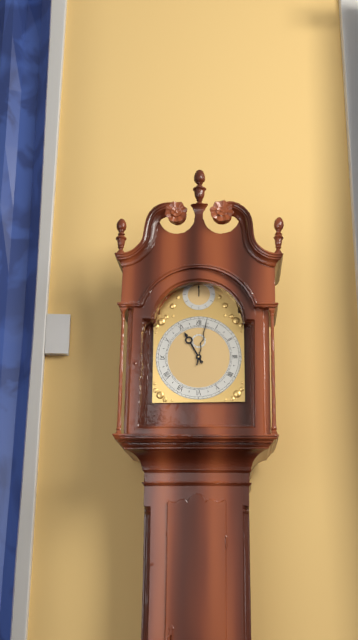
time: 11:02
